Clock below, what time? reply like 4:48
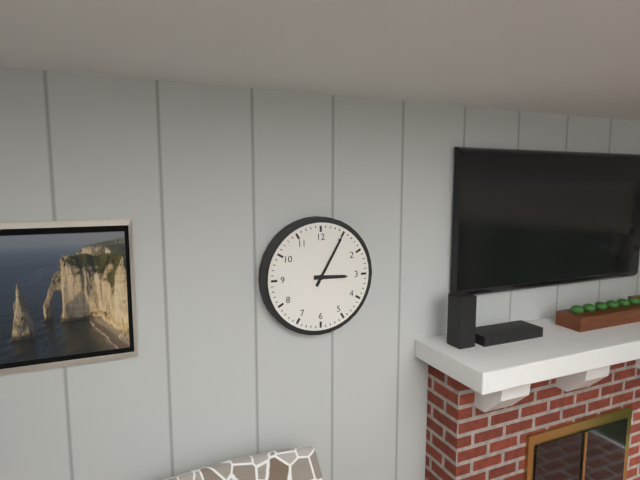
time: 3:05
